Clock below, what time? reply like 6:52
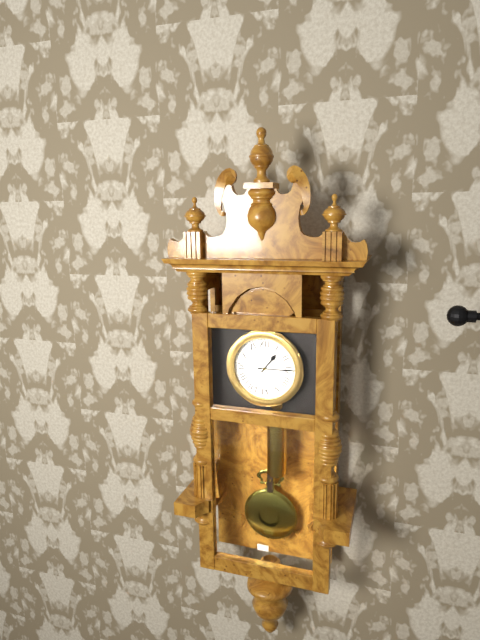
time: 1:15
